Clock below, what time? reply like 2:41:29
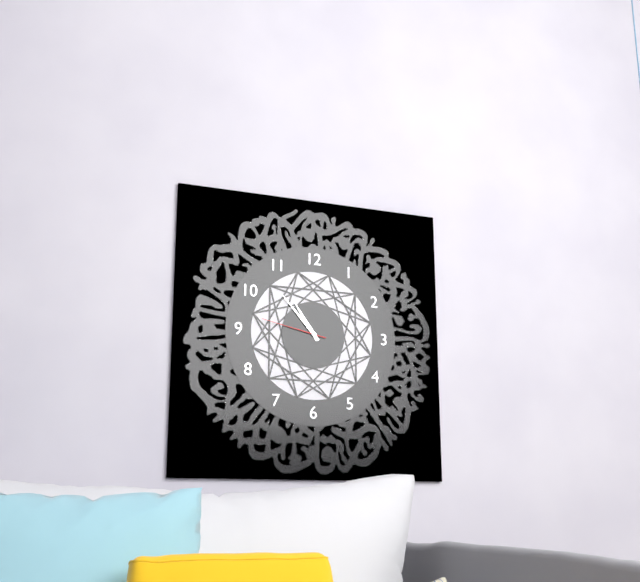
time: 10:53:47
